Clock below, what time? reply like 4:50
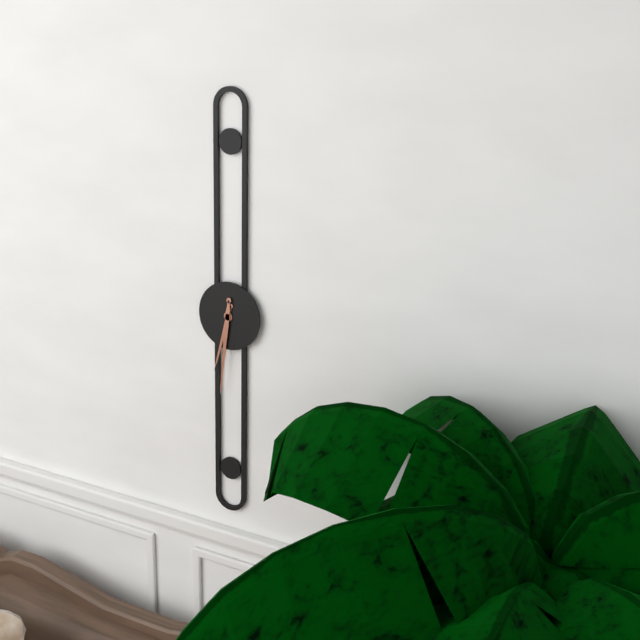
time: 6:31
